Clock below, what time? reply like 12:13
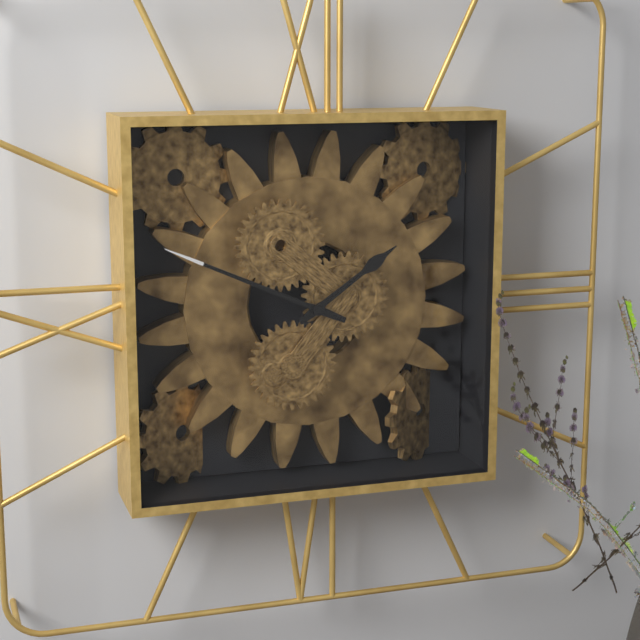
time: 1:49
